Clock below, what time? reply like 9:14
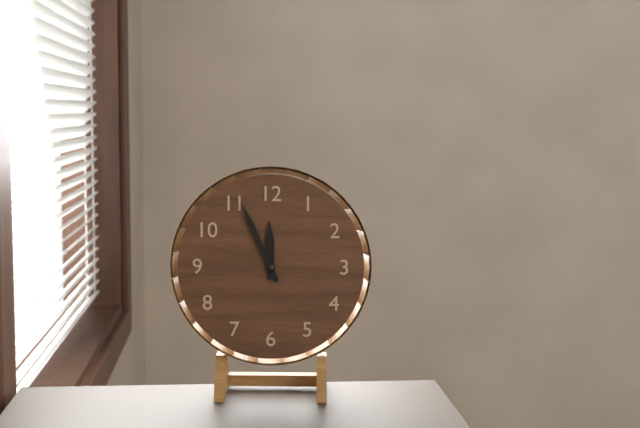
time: 11:56
